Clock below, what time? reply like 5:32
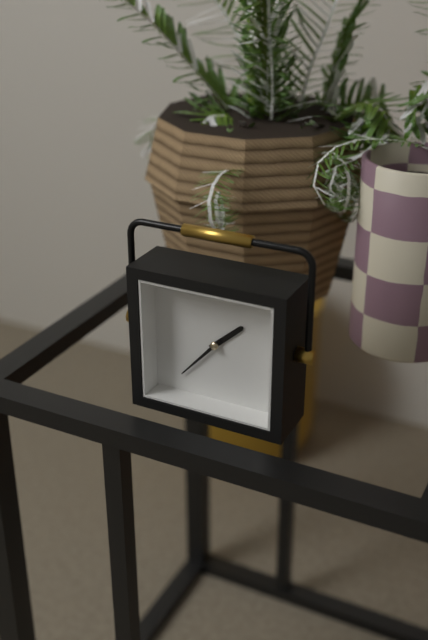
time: 1:37
